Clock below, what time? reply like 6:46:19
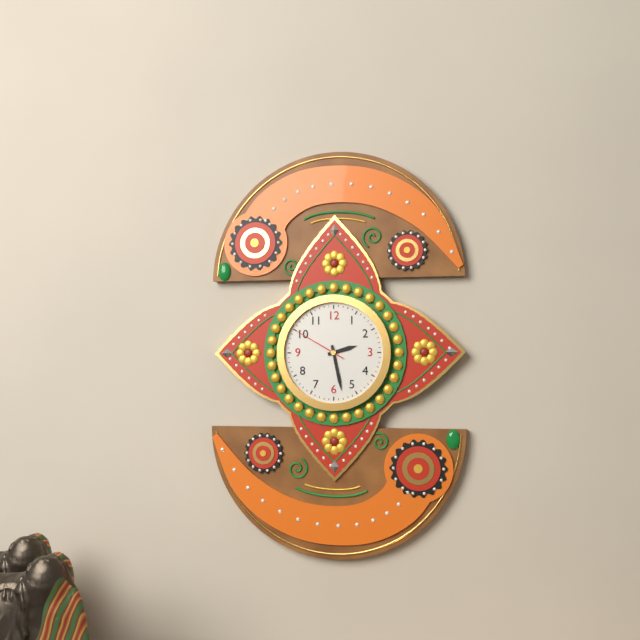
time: 2:28:50
